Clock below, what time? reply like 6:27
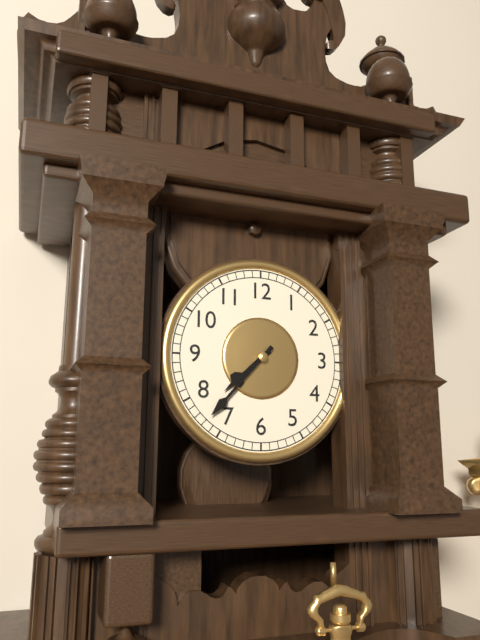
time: 7:37
